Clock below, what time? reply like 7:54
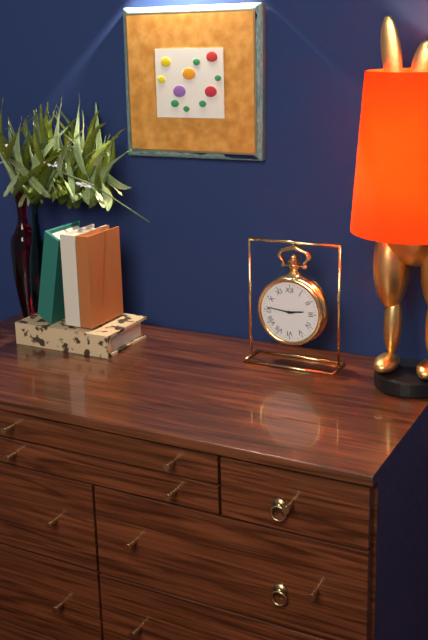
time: 2:46
